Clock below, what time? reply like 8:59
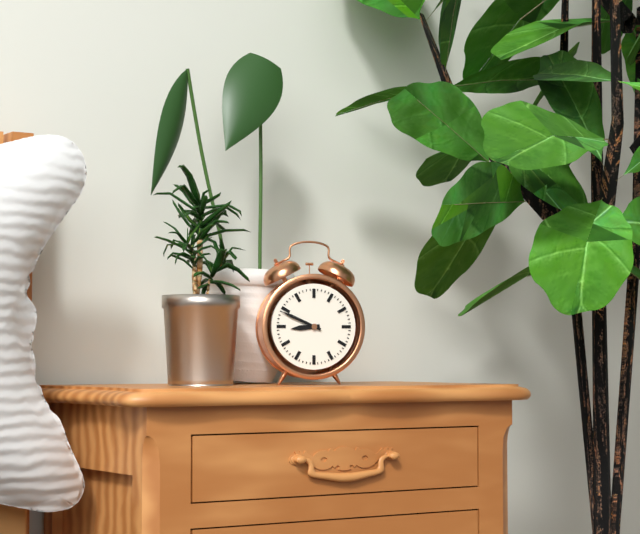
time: 8:49
